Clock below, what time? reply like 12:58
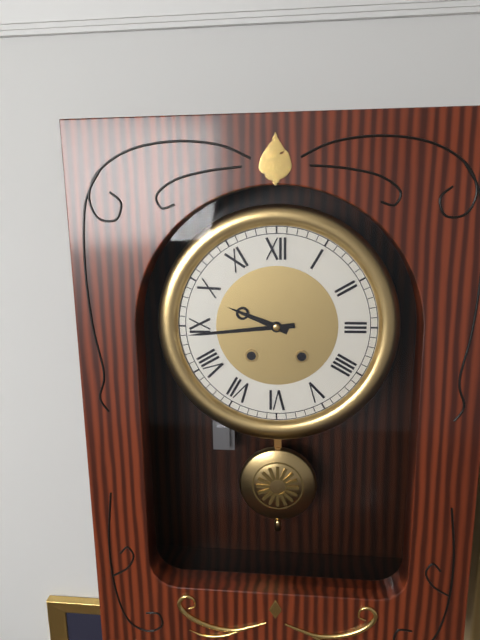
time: 9:44
